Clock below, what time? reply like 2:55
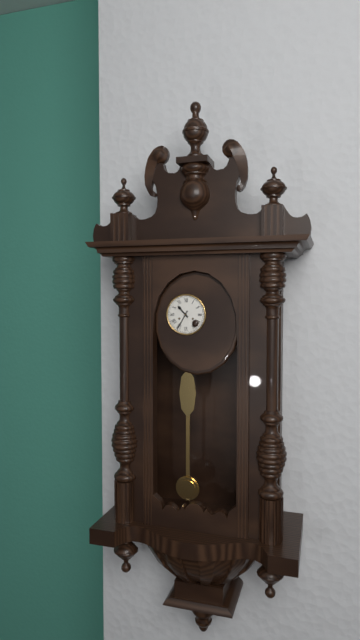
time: 10:35
